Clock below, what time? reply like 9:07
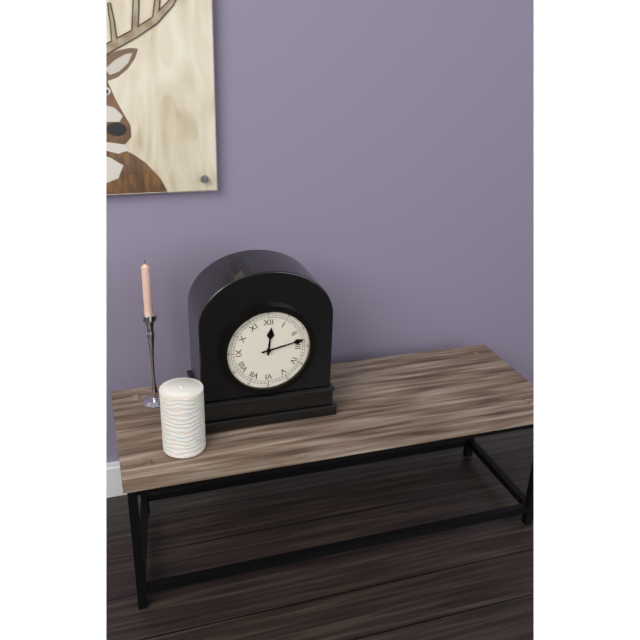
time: 12:13
